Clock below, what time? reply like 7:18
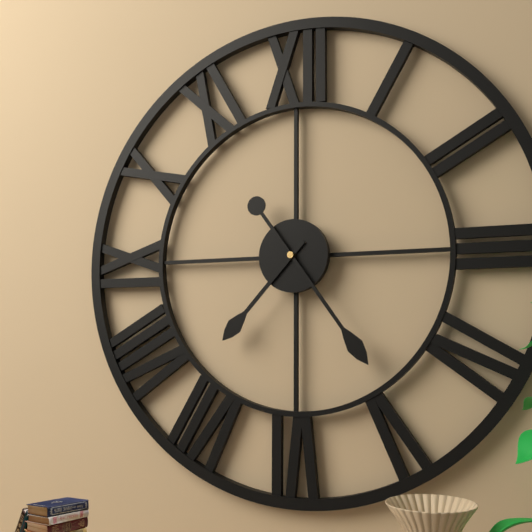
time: 7:24
